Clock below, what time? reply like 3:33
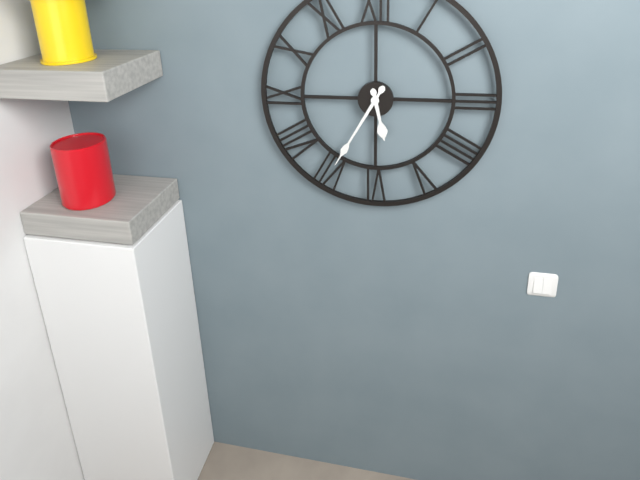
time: 5:35
